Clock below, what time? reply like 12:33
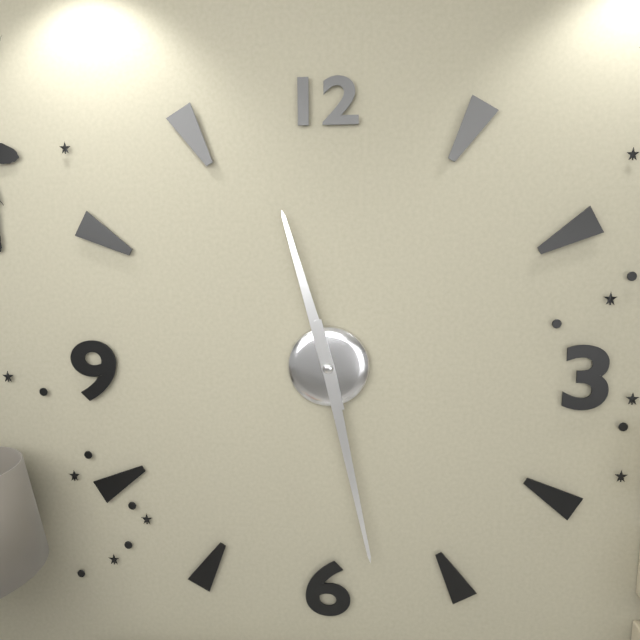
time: 11:28
